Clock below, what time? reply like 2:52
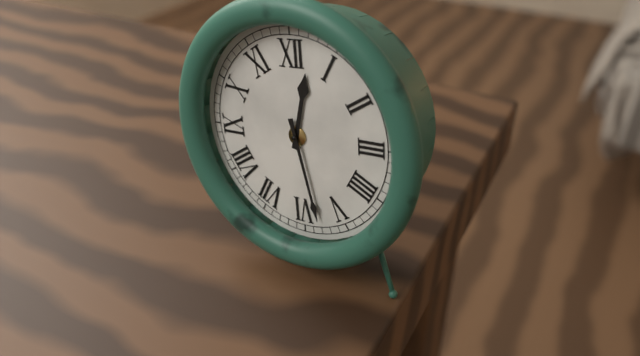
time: 12:28
